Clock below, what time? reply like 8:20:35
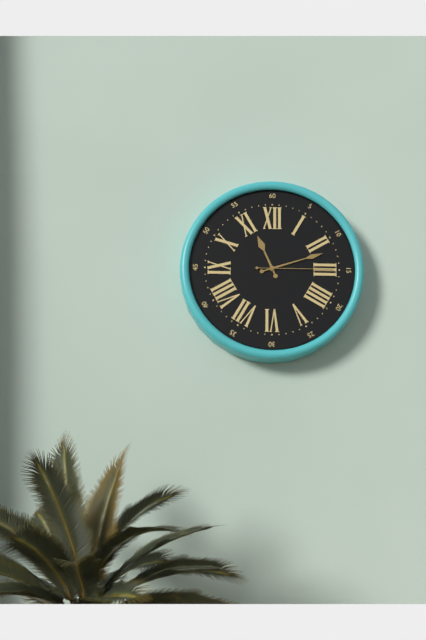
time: 11:12:15
